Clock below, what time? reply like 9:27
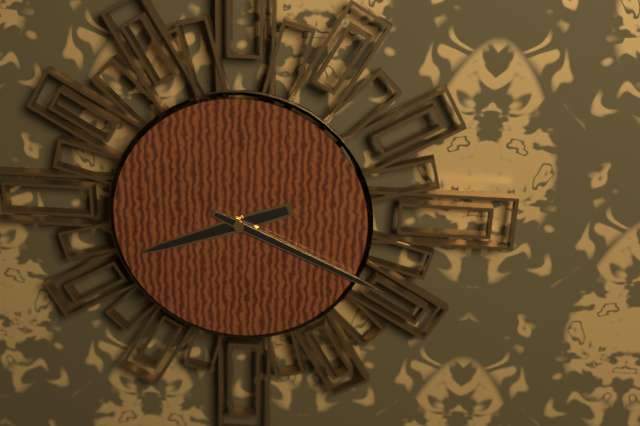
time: 8:19
